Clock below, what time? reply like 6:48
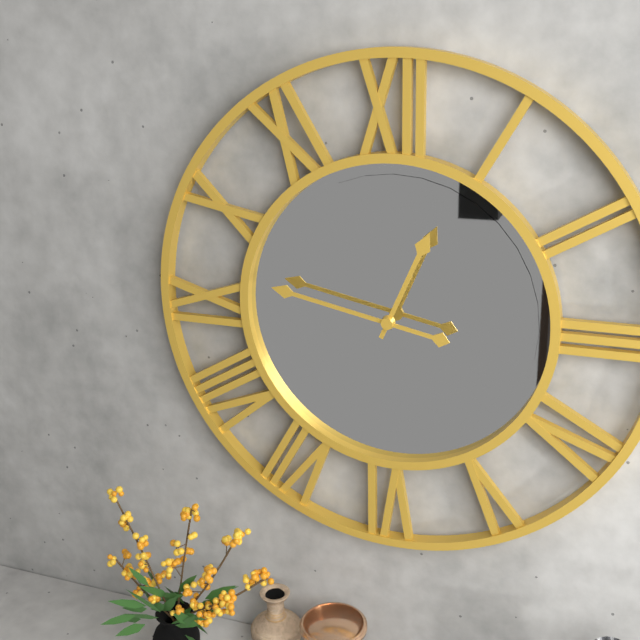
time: 12:47
